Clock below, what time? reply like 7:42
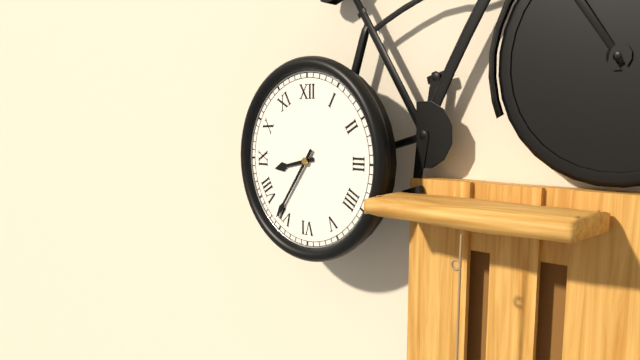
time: 8:36
